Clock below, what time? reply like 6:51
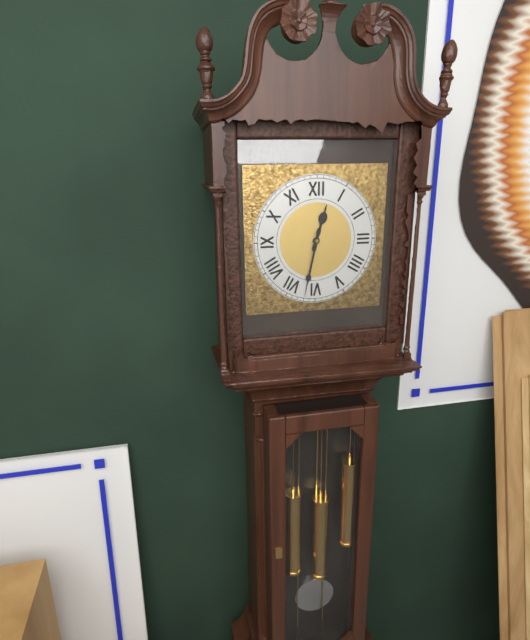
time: 12:32
